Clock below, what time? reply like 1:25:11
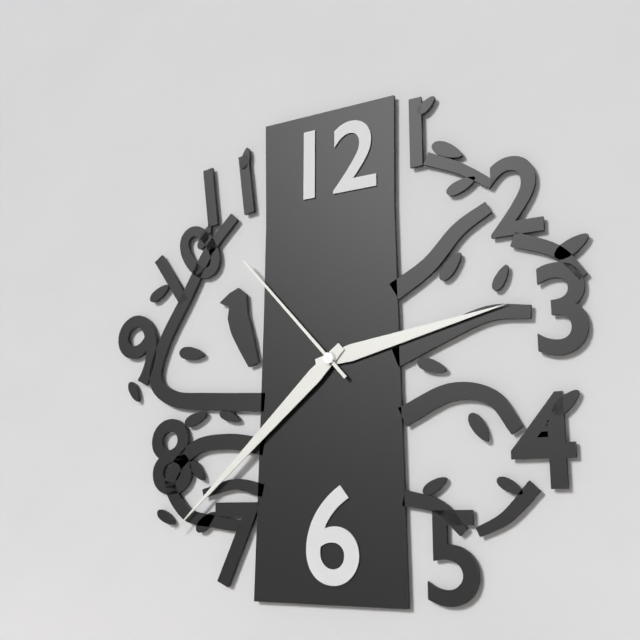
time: 2:38:53
